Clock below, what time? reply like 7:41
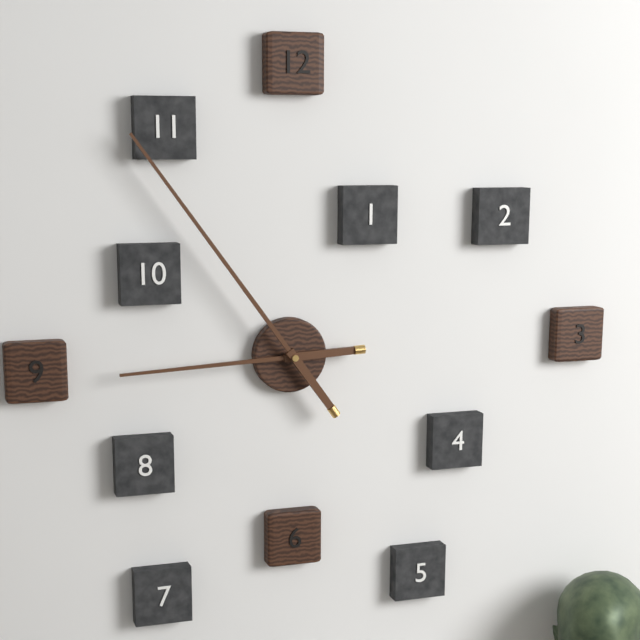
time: 8:54
